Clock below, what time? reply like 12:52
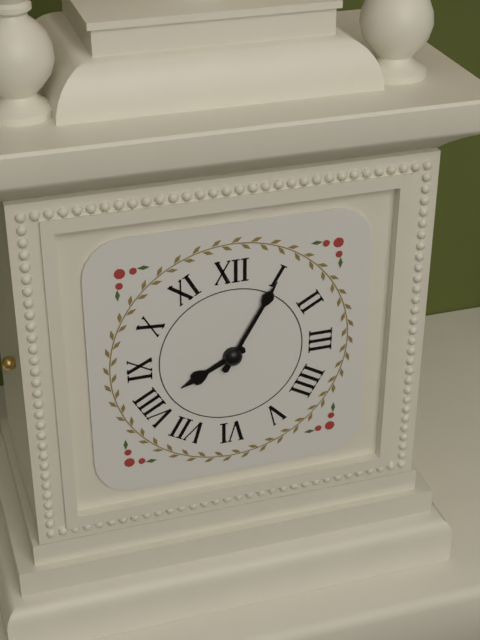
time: 8:05
